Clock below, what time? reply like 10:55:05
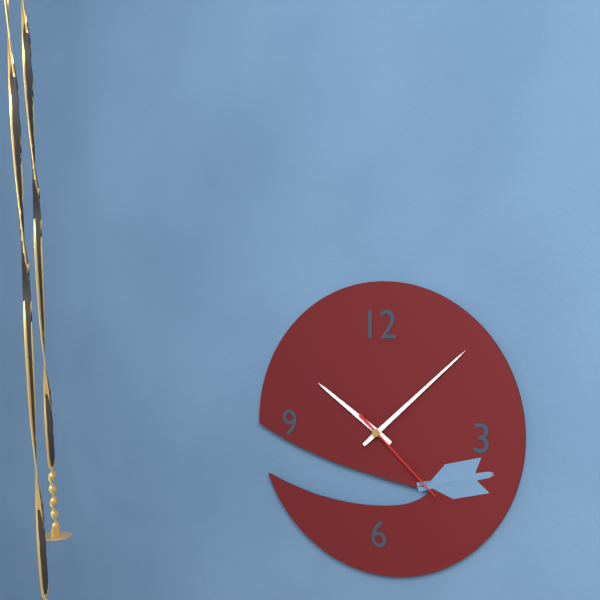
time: 10:08:22
